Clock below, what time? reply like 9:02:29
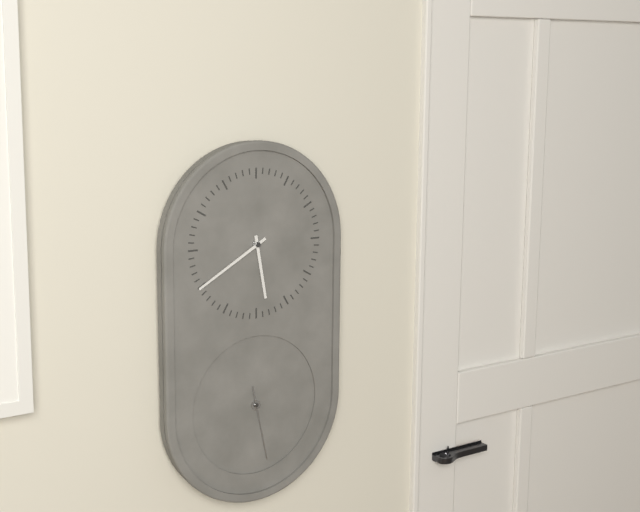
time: 5:40:28
